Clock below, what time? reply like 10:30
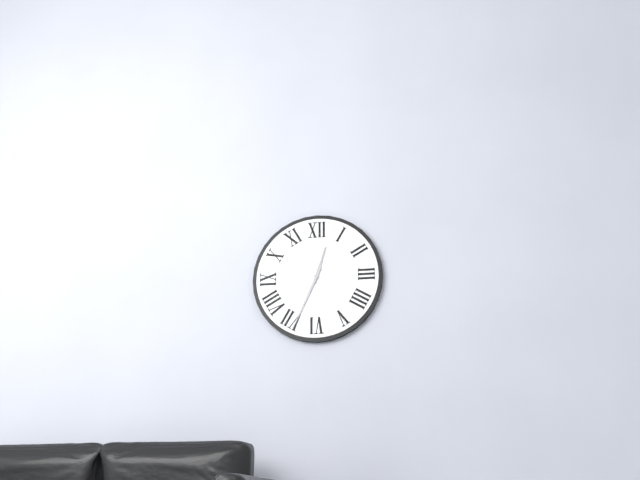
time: 12:34
